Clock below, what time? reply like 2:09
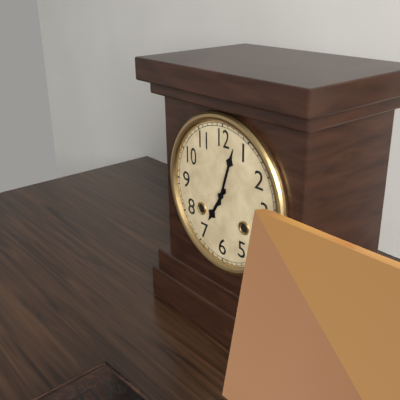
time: 7:03
